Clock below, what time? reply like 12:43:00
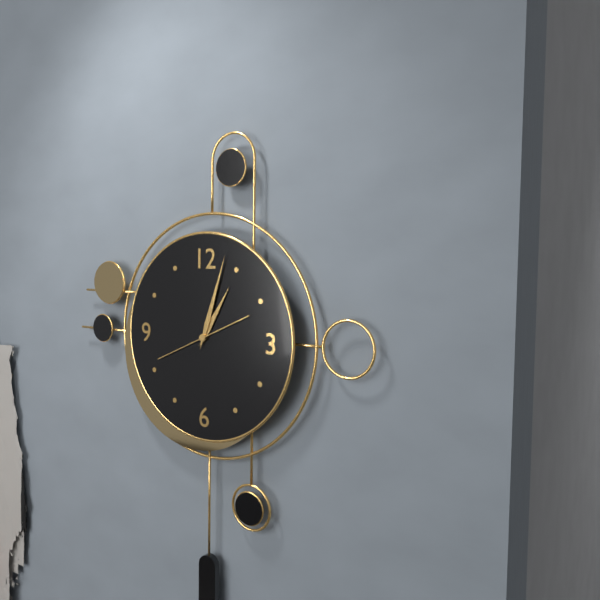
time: 1:03:41
